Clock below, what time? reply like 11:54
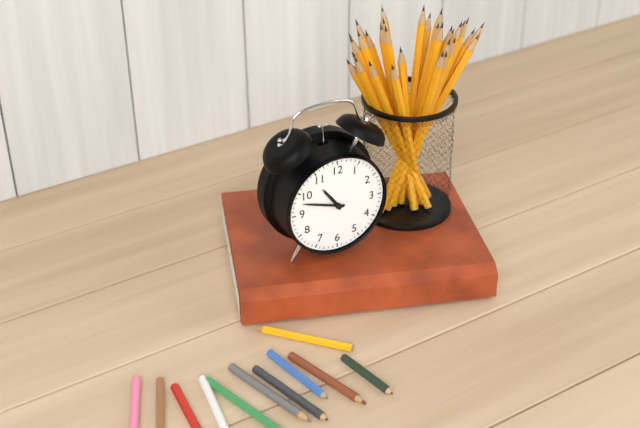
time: 10:48
